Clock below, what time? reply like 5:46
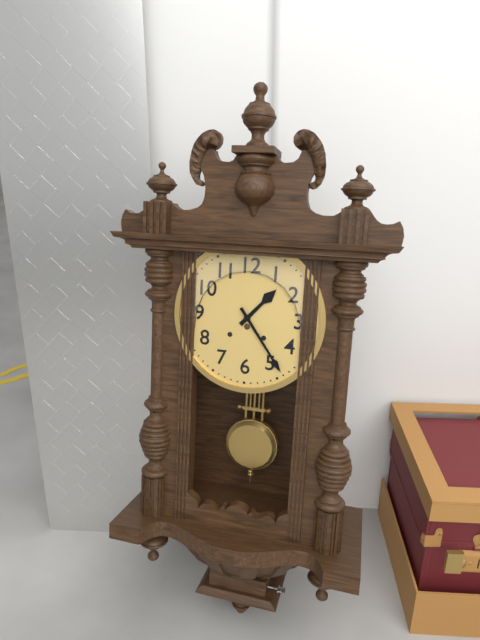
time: 1:24
